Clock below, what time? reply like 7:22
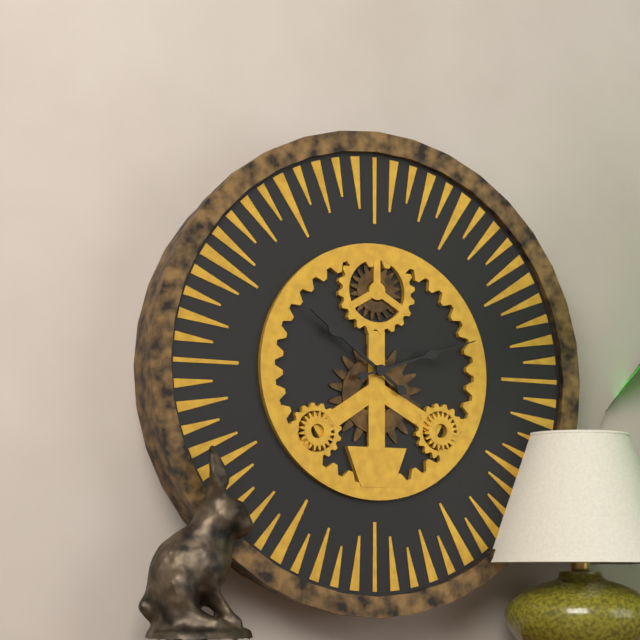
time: 10:12
